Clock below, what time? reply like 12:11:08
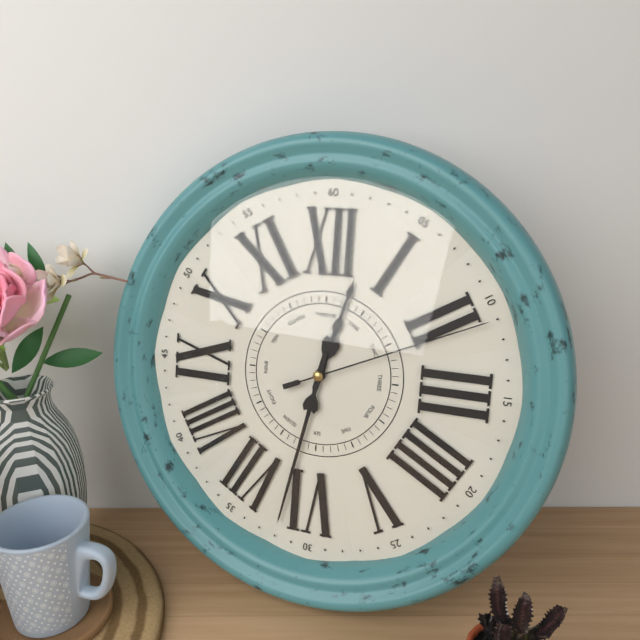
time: 12:32:11
